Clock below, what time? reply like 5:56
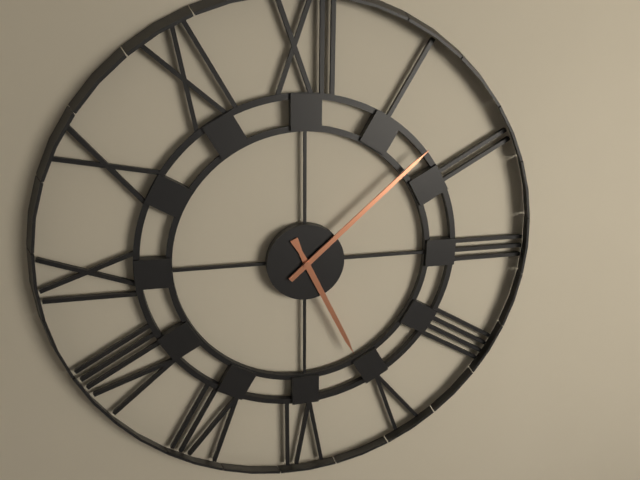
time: 5:08
